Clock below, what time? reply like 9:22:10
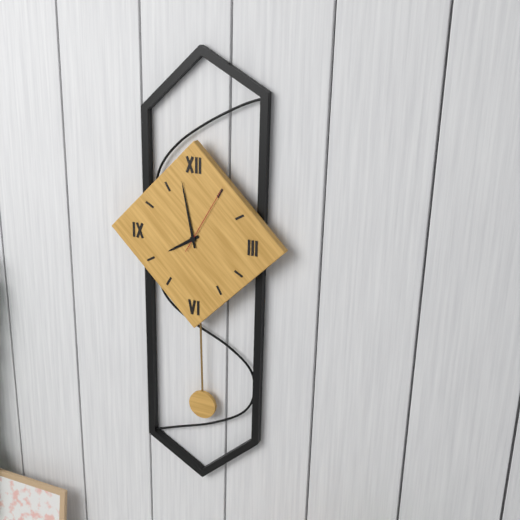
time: 7:58:05
